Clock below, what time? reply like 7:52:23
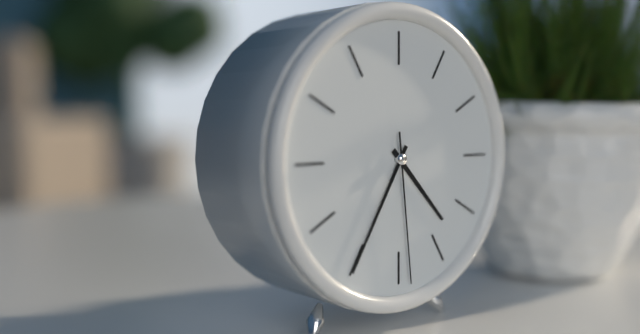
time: 4:35:29
